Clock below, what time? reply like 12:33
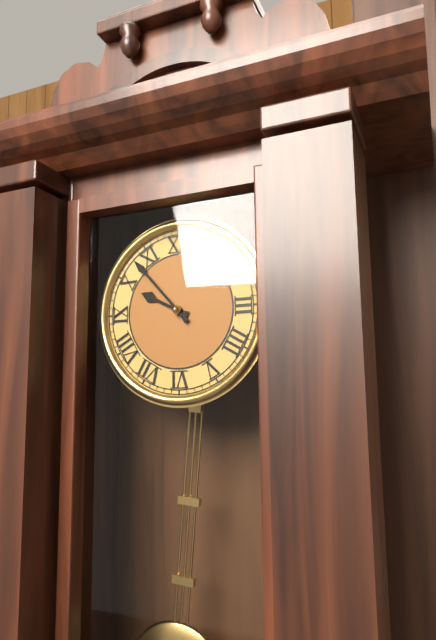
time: 9:53
